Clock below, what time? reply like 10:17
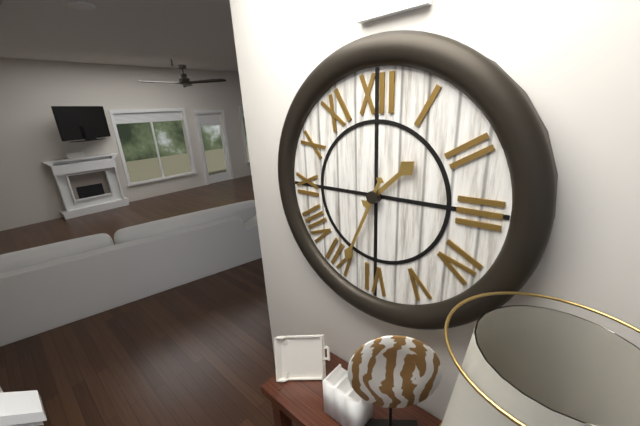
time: 1:34
